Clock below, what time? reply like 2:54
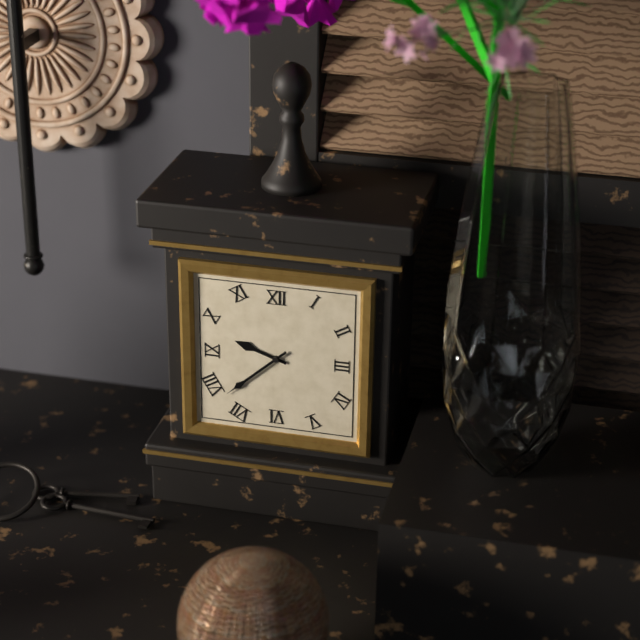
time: 9:38
